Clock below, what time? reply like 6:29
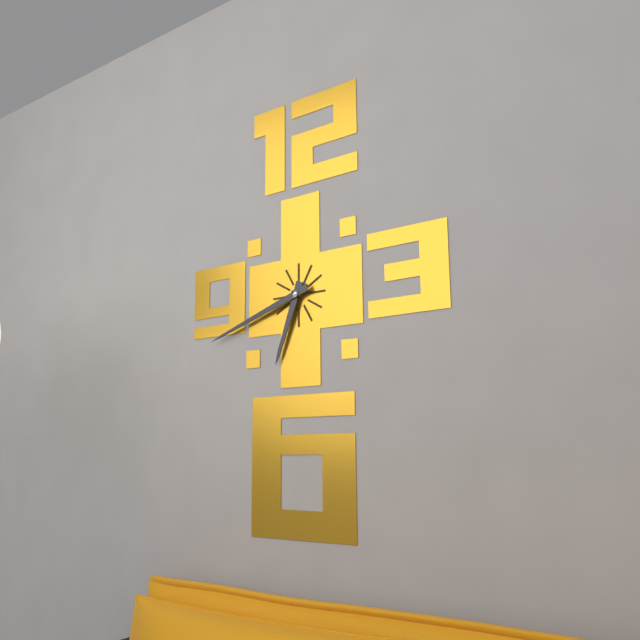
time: 6:42
